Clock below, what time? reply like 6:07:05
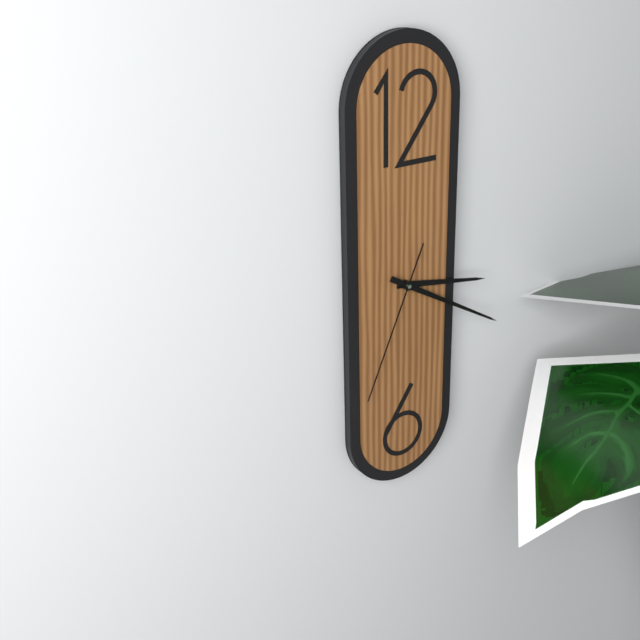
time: 3:20:34
